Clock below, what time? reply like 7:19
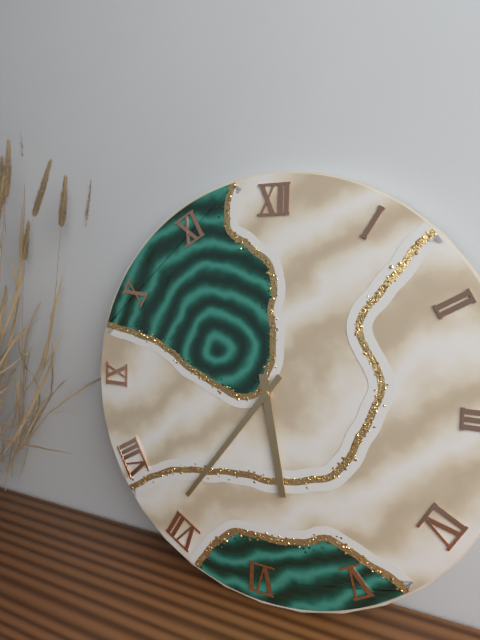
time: 5:36
